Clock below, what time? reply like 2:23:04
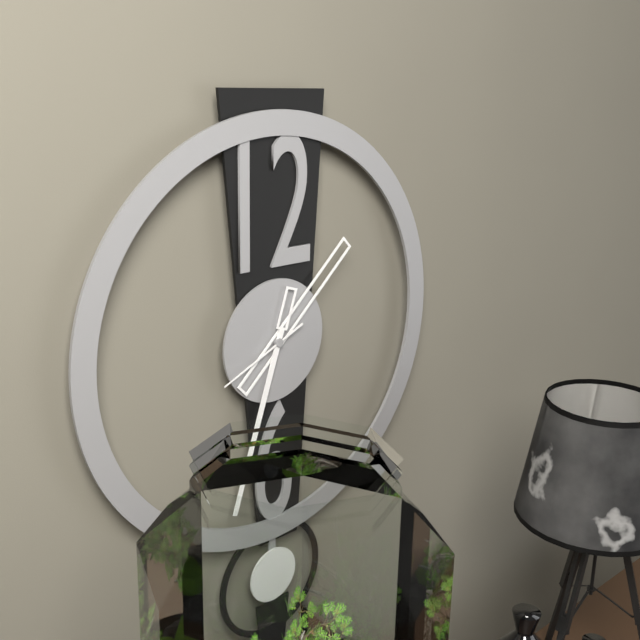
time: 1:33:41
